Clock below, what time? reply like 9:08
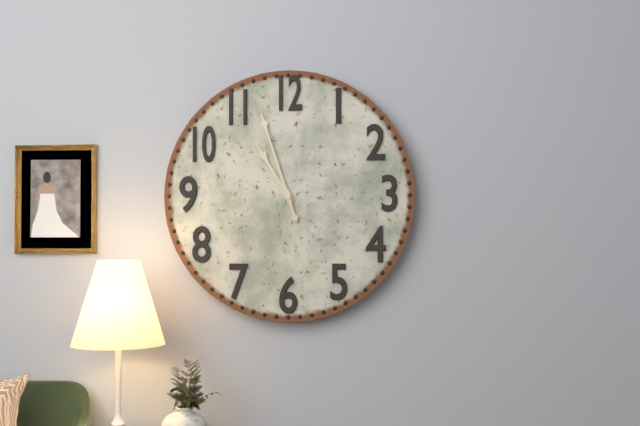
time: 10:57
